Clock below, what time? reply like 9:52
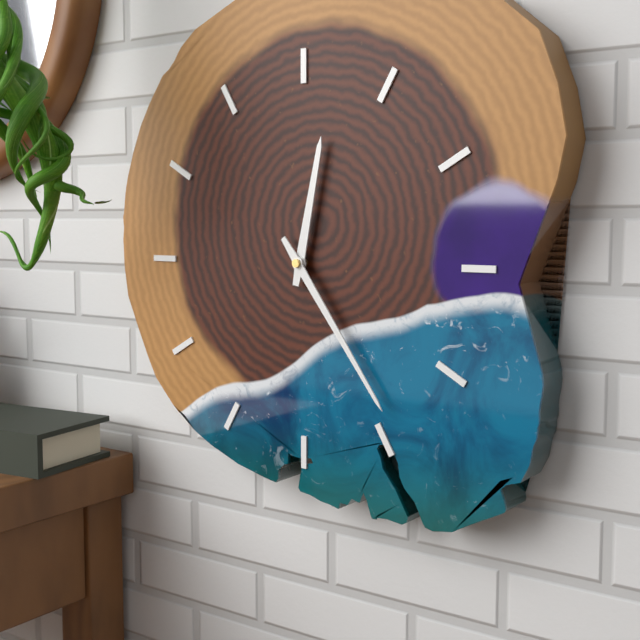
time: 12:24
